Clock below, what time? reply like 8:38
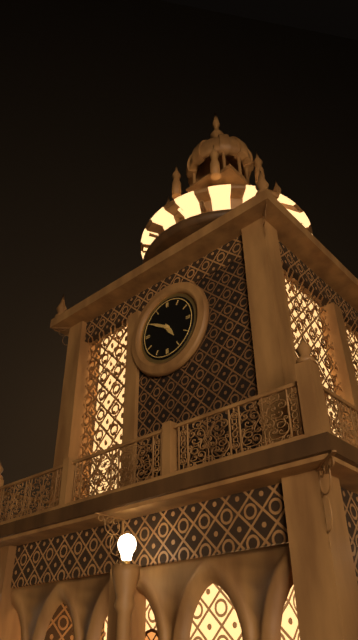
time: 4:50
